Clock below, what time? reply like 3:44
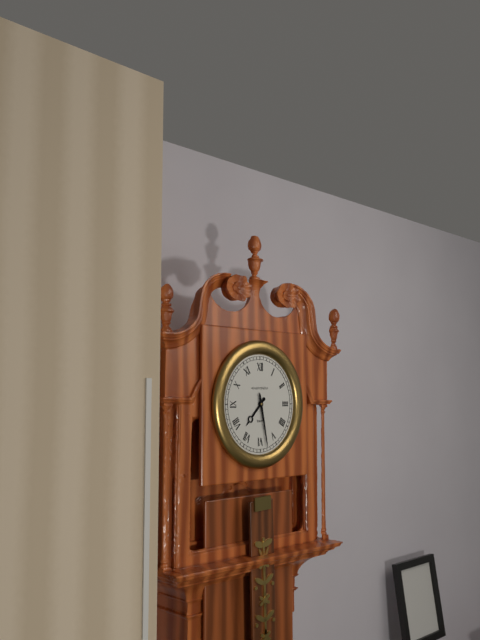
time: 7:28
